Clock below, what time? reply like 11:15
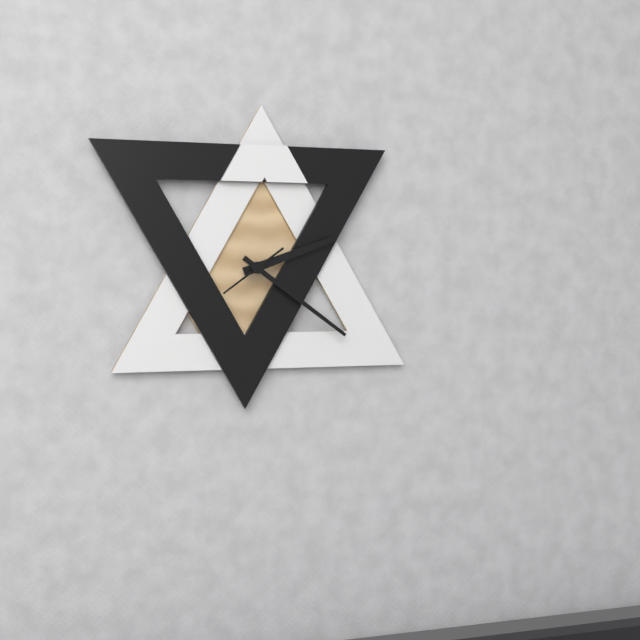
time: 2:21
